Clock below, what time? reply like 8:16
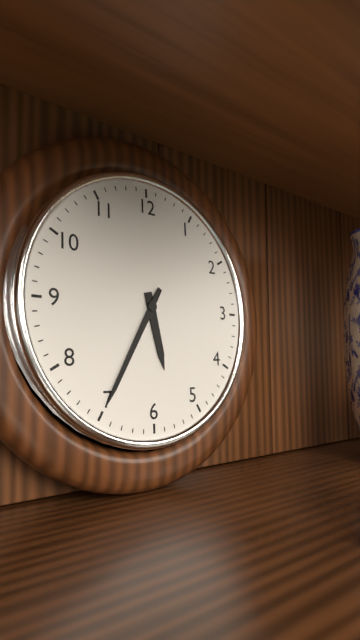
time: 5:35
